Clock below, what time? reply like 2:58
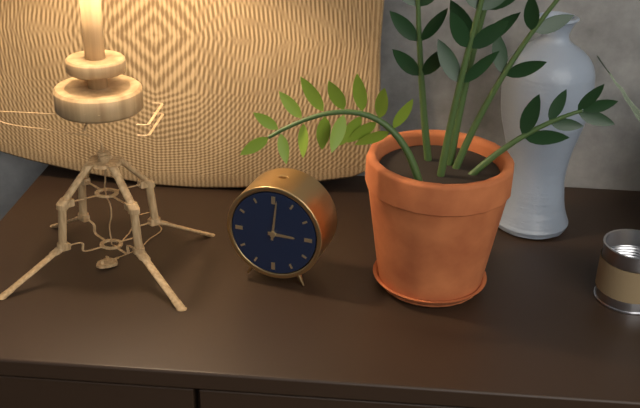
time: 3:01
